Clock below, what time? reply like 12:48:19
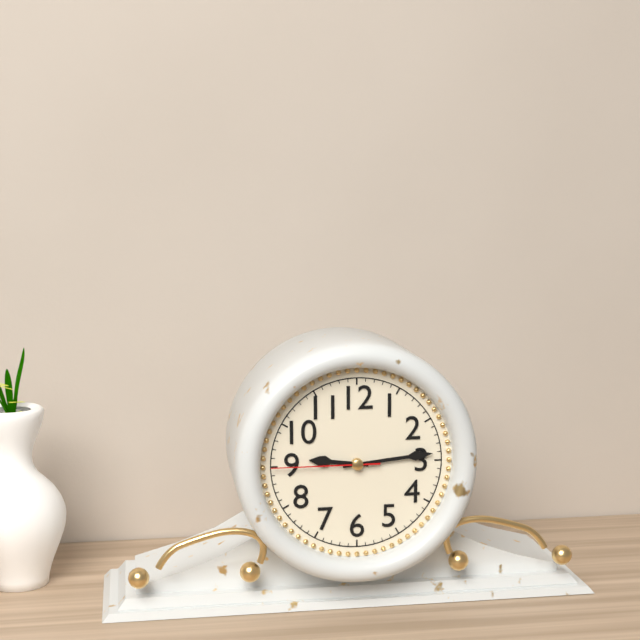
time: 9:14:45
